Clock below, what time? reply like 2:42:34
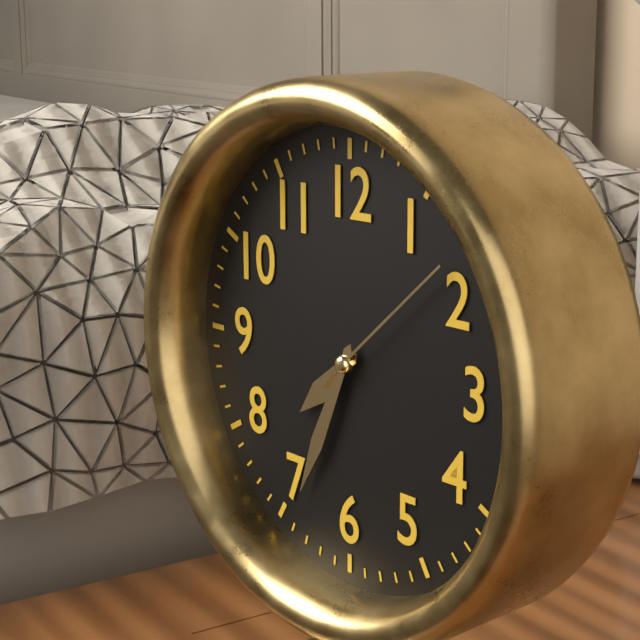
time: 7:34:08
